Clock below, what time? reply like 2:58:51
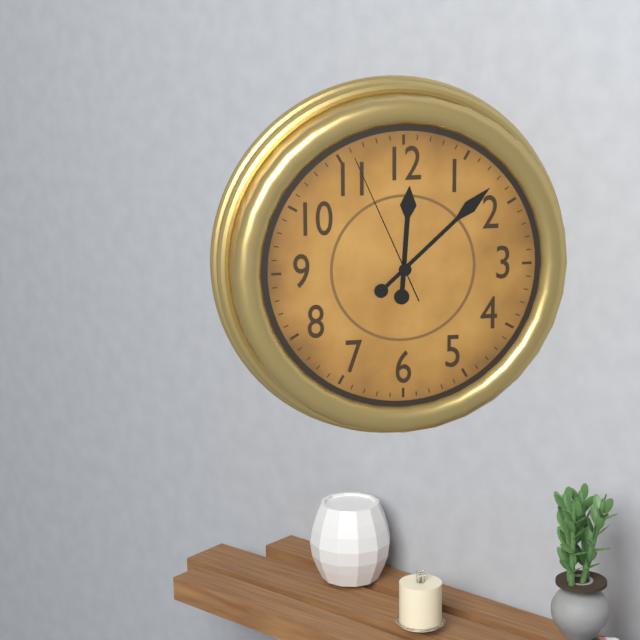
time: 12:08:56
